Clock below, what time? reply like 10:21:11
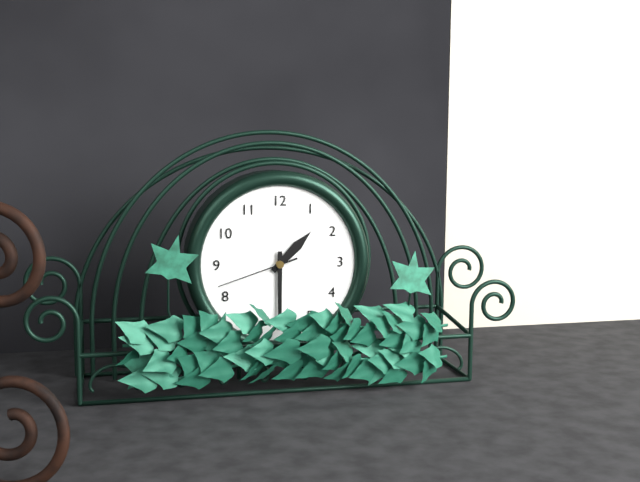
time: 1:30:42
